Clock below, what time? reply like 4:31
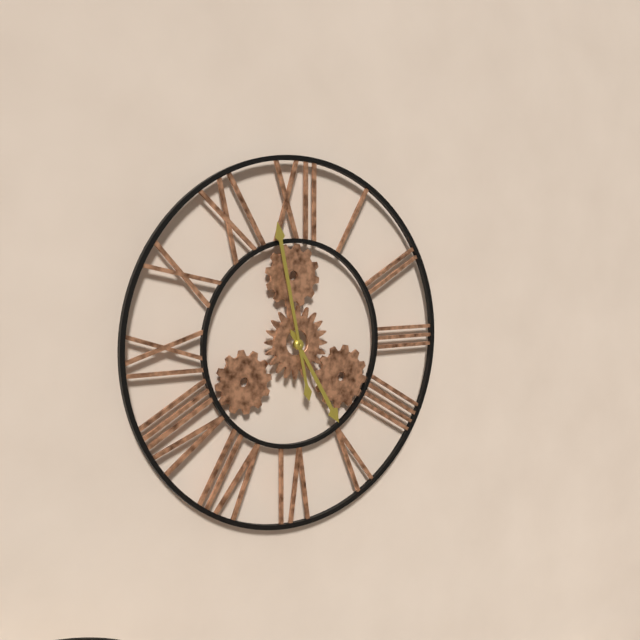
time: 4:58
